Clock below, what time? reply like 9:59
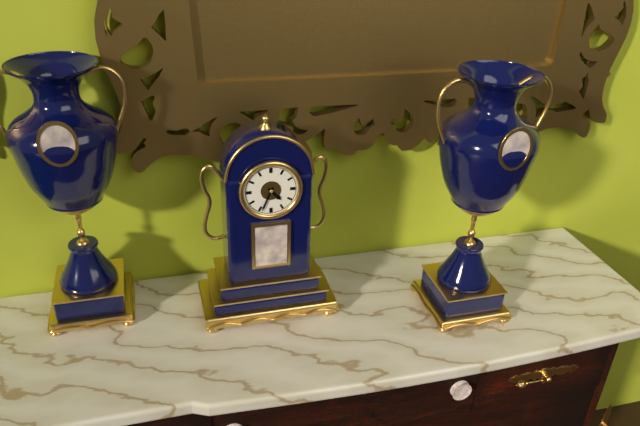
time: 4:34
